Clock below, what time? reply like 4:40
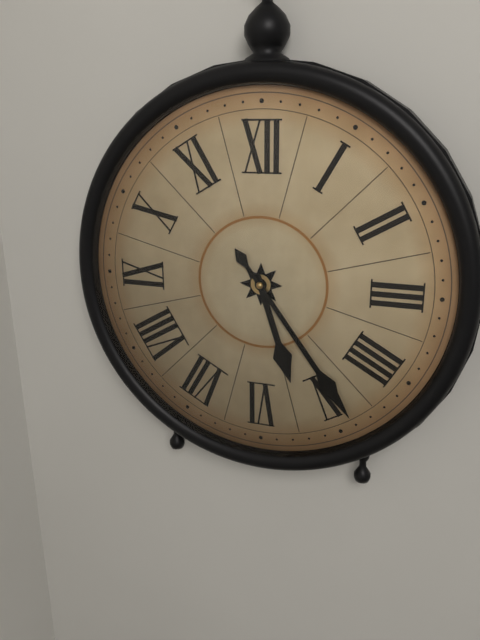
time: 5:24
